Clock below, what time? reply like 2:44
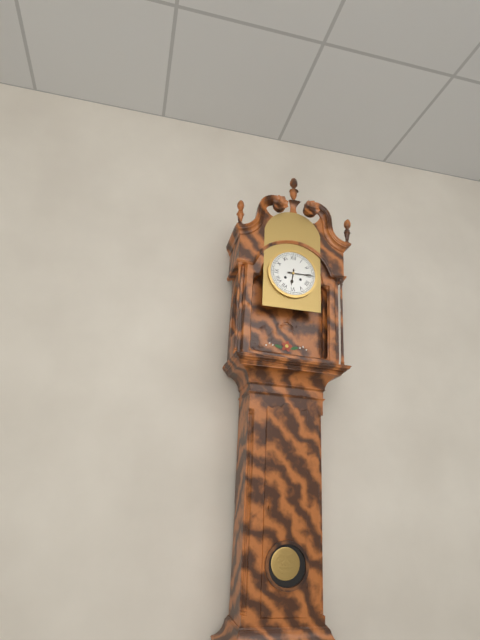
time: 6:15
